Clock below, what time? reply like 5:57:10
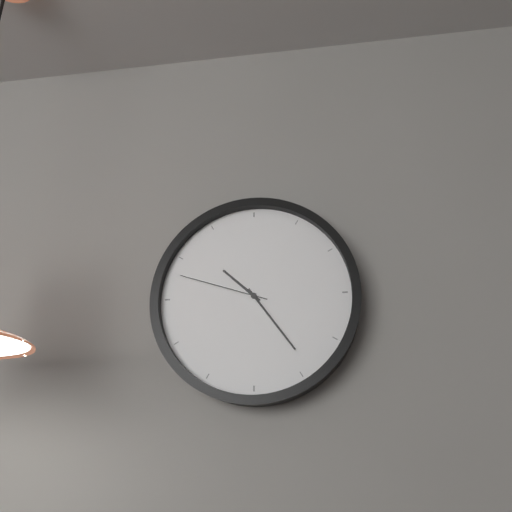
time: 10:24:48
